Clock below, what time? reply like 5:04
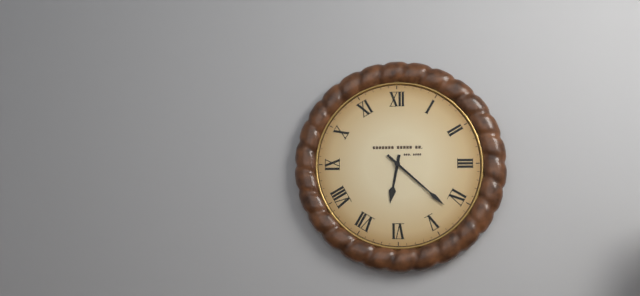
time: 6:22
